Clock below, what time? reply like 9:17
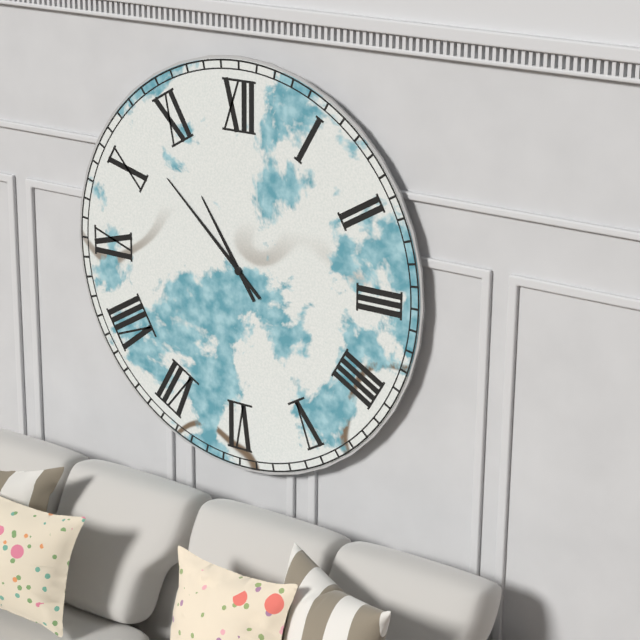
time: 10:52
